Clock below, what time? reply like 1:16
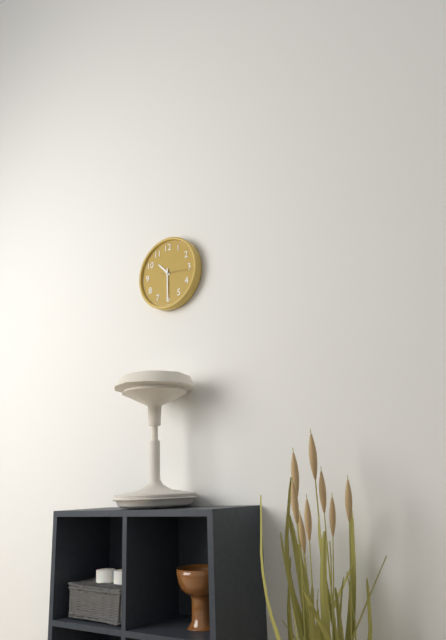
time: 10:30
